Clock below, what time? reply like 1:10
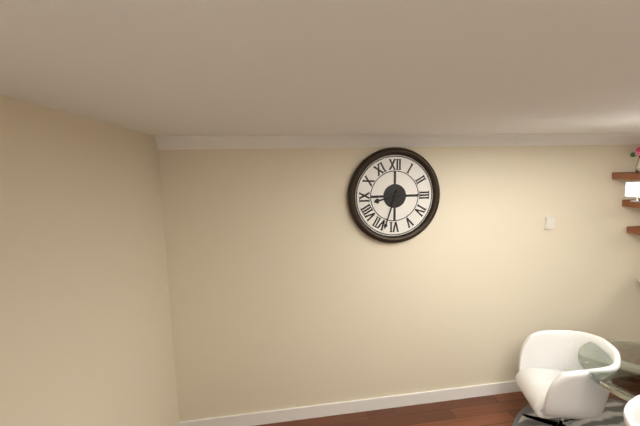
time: 8:33
